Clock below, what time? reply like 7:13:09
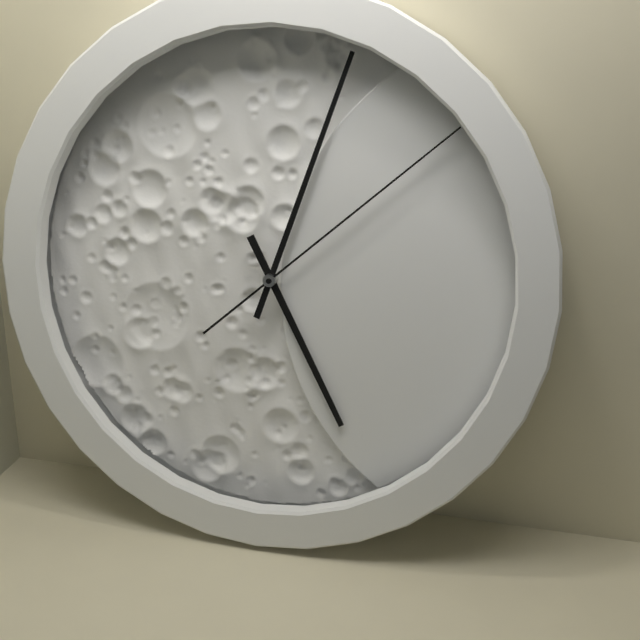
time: 5:03:08
